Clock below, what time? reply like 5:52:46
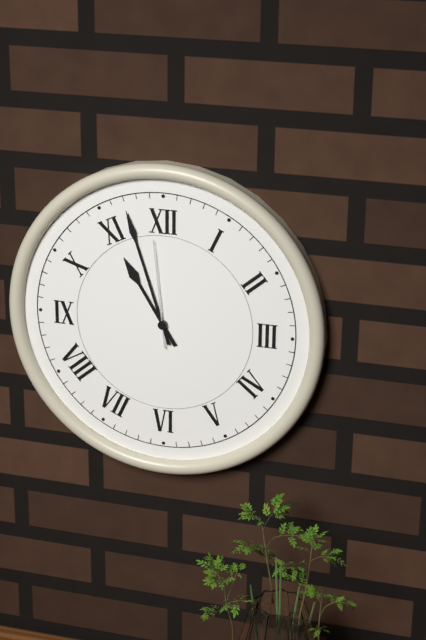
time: 10:57:59
